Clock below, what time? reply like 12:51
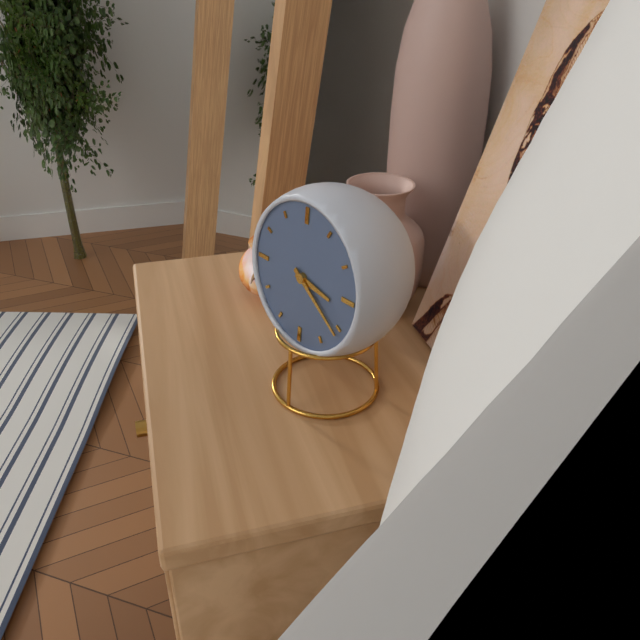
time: 3:21
